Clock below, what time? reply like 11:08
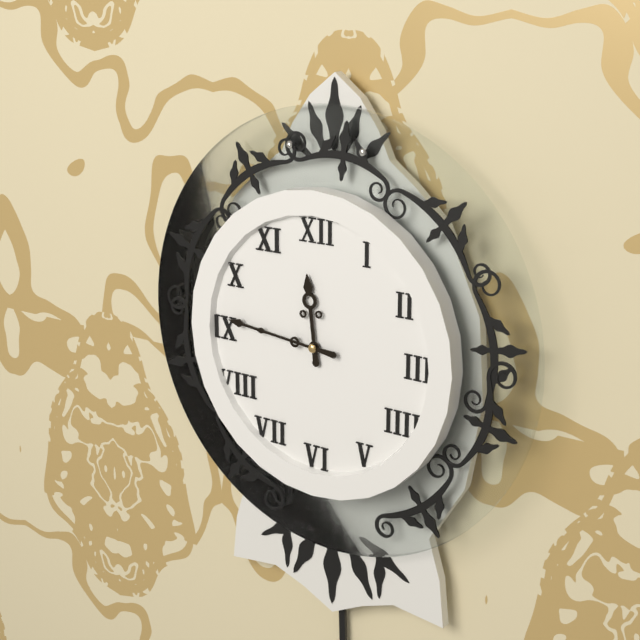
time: 11:46
